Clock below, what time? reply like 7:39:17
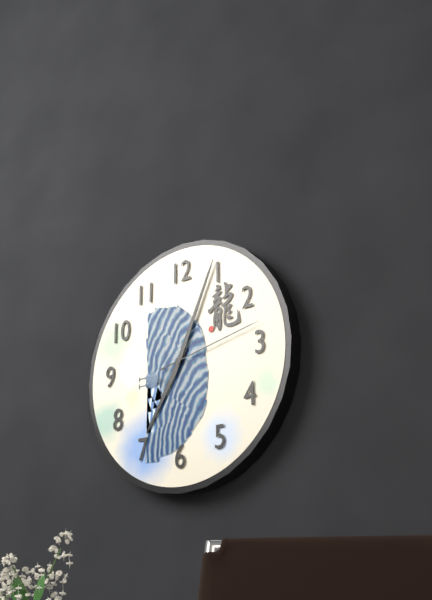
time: 7:04:13
